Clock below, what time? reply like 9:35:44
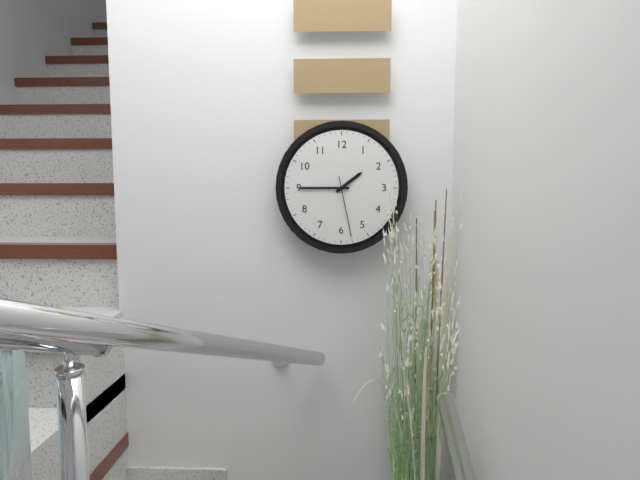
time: 1:45:28
